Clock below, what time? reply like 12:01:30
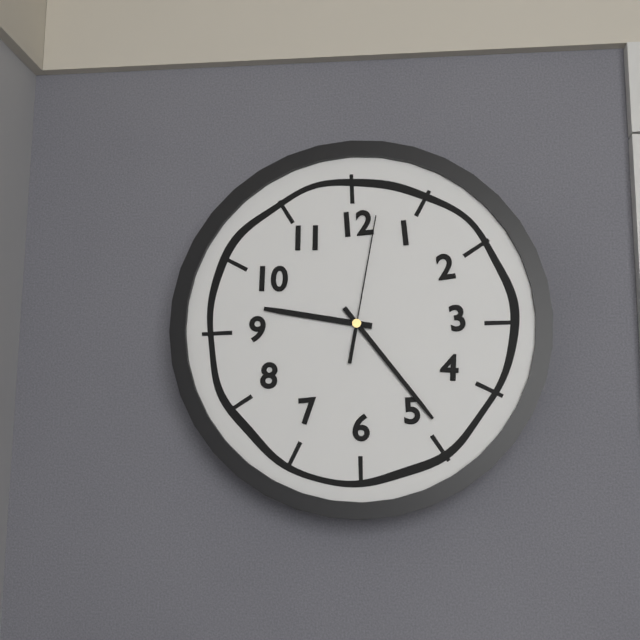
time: 9:24:02
